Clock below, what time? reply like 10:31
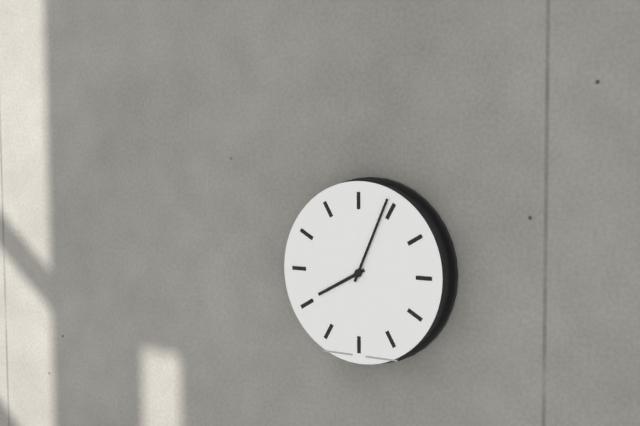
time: 8:04
